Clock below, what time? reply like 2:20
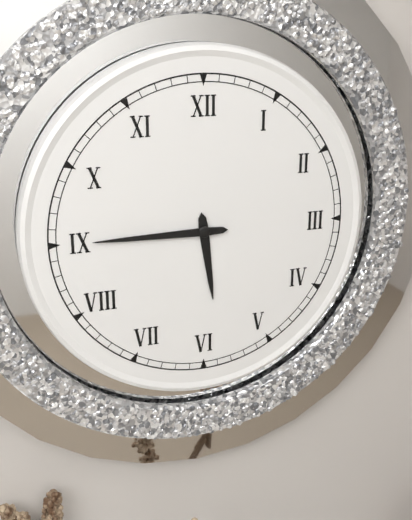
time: 5:45
